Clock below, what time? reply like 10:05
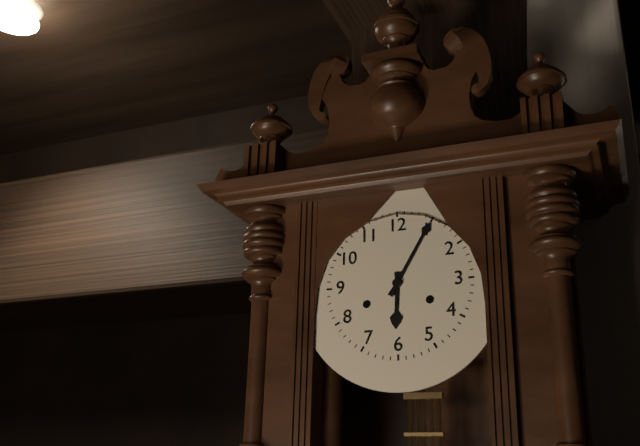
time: 6:05
